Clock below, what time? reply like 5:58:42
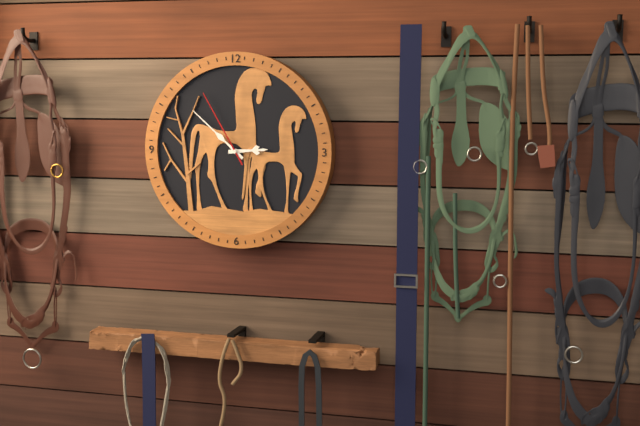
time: 2:52:55
